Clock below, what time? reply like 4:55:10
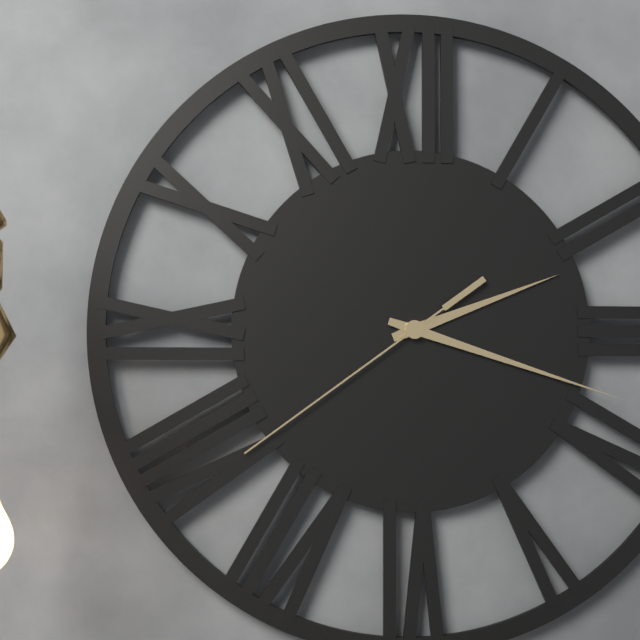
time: 2:18:39
